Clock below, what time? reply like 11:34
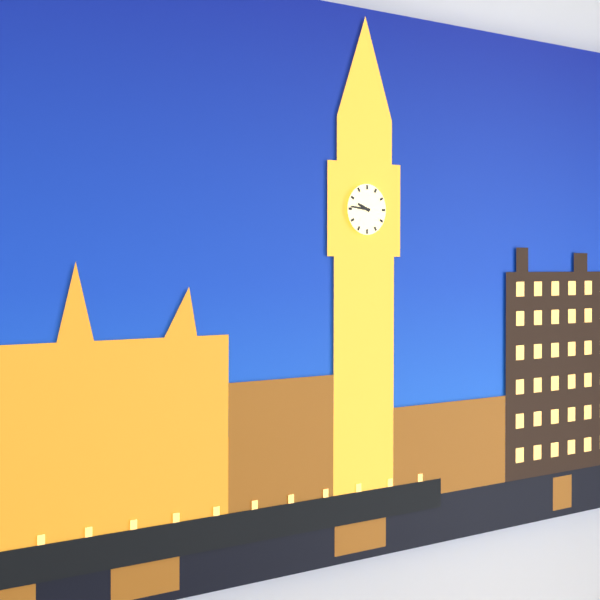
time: 9:46
